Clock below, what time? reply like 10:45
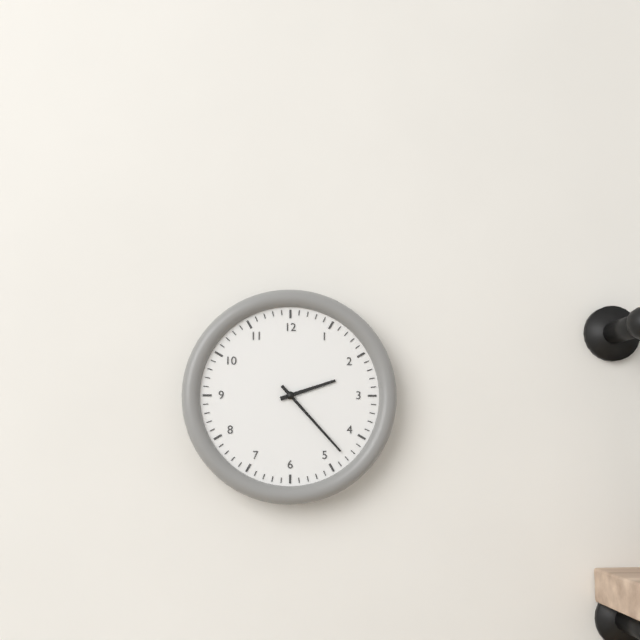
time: 2:23
